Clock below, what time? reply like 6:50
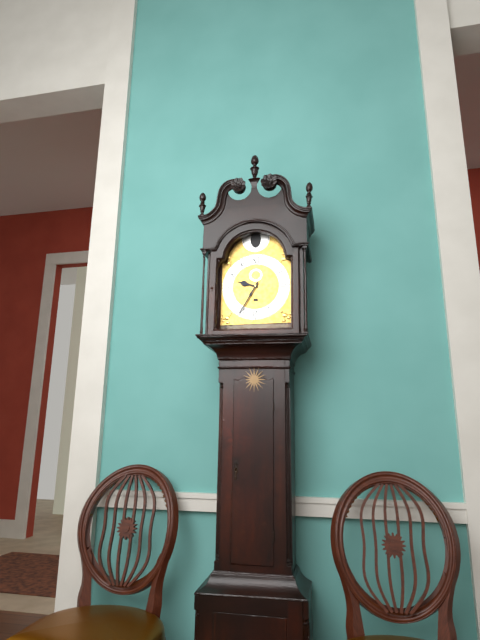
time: 9:35
